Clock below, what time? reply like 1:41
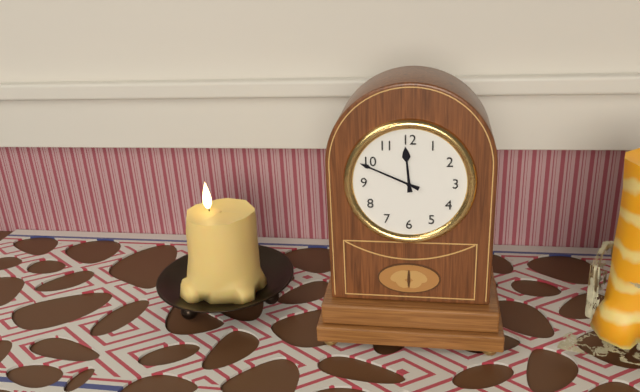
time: 11:49
